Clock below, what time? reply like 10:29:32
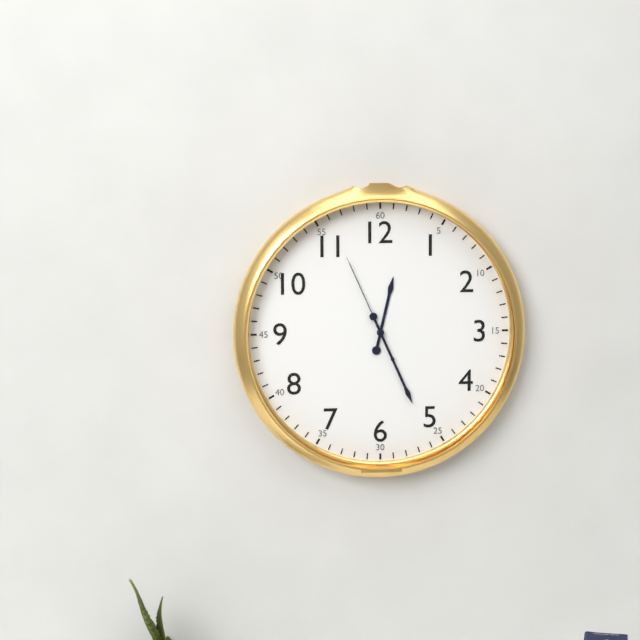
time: 12:26:56
